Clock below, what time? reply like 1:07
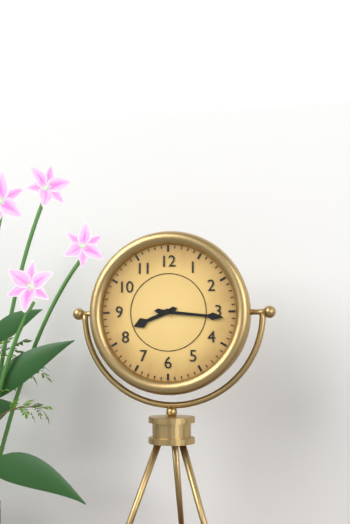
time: 8:16
